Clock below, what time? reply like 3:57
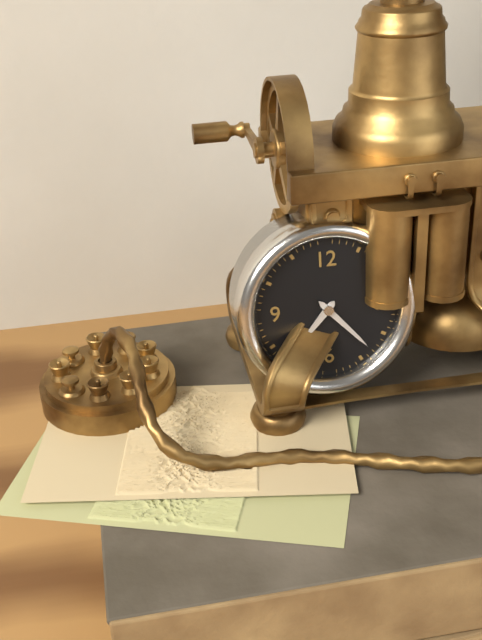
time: 7:23
